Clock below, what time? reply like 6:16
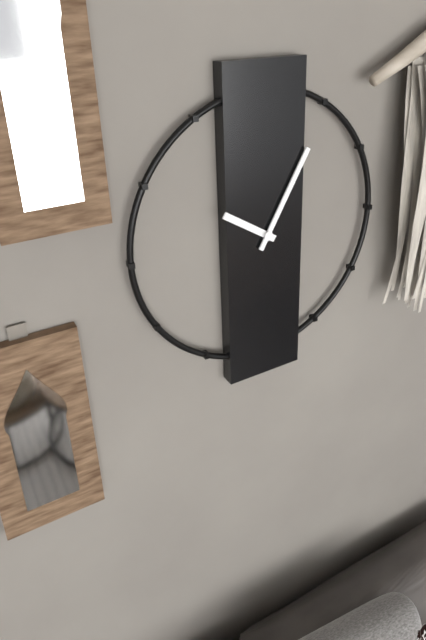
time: 10:05
